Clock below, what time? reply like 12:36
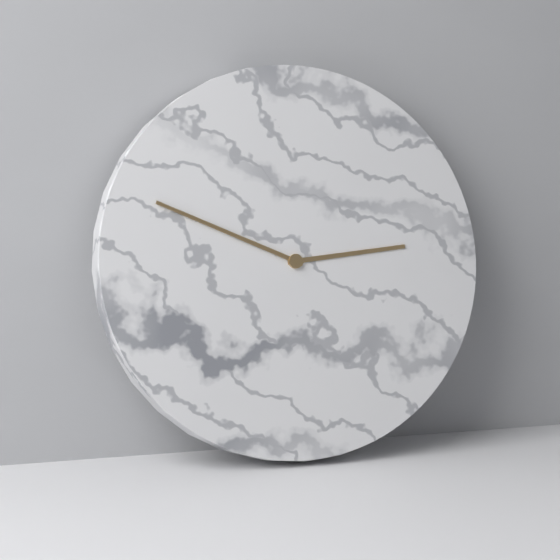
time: 2:49
